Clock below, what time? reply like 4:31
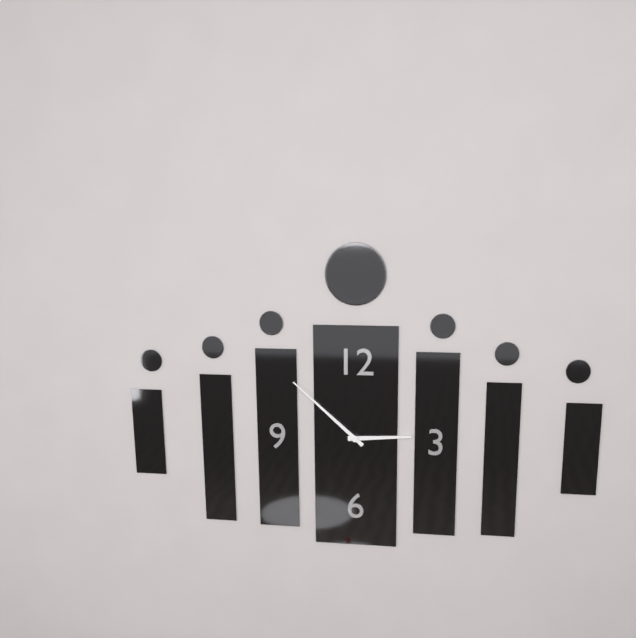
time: 2:52
